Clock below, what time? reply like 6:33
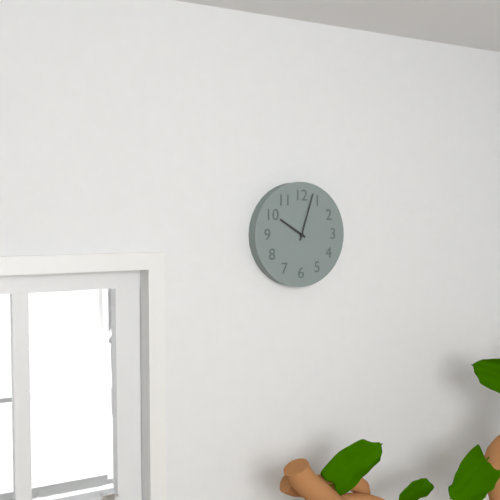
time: 10:03
